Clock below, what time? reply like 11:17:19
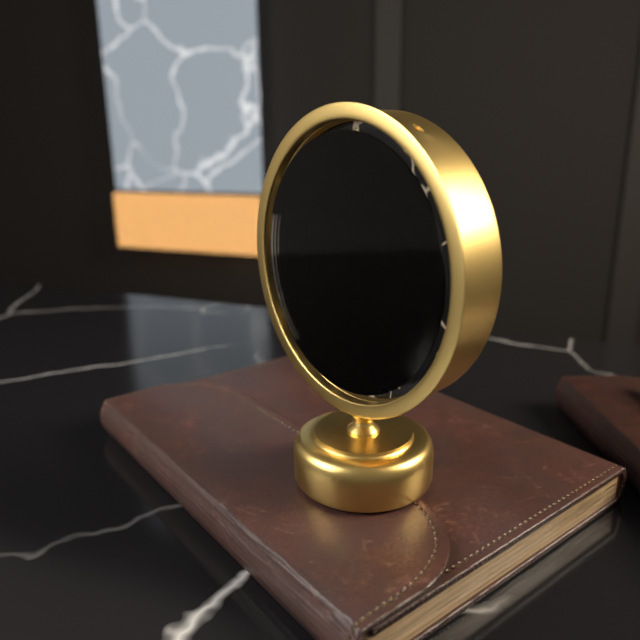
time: 5:53:17
